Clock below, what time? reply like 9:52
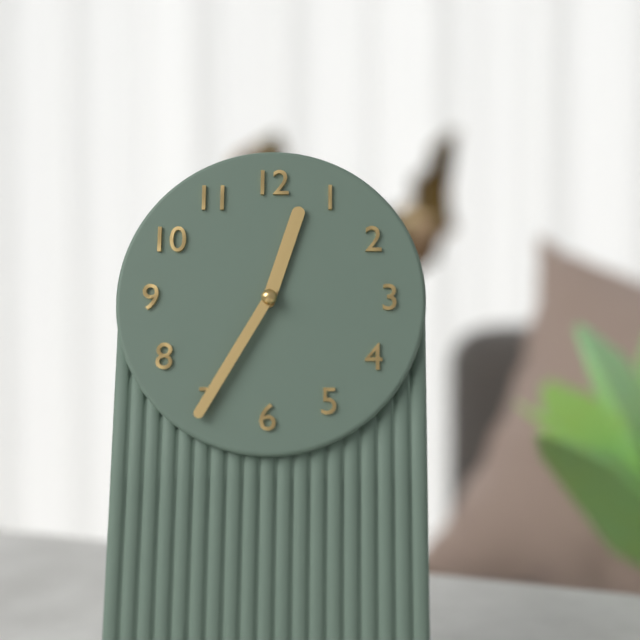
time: 12:35
